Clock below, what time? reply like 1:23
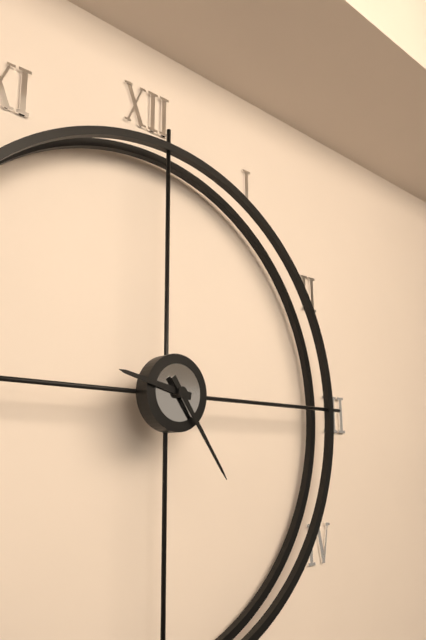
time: 9:24
